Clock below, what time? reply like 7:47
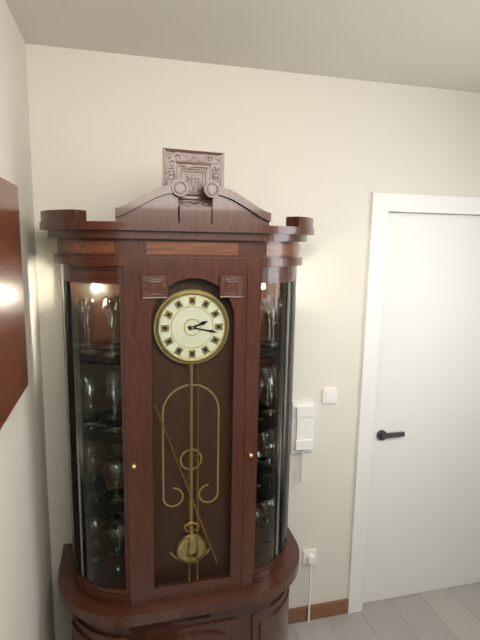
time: 2:17
